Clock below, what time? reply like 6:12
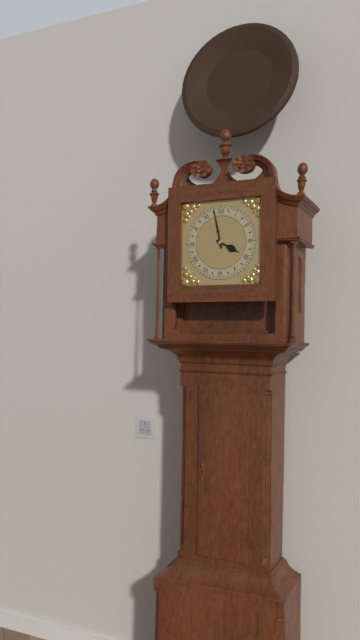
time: 3:58
